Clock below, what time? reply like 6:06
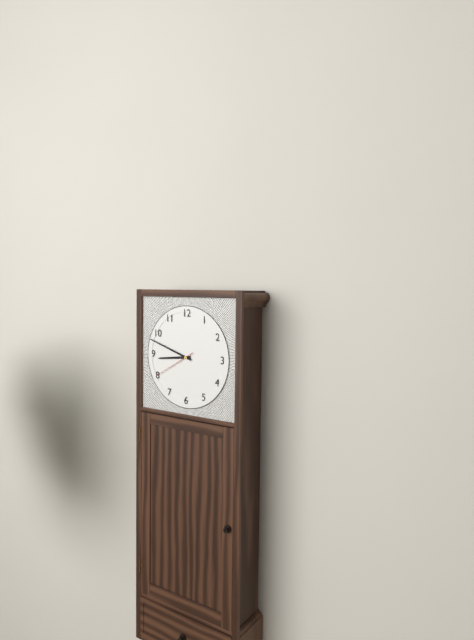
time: 8:48
